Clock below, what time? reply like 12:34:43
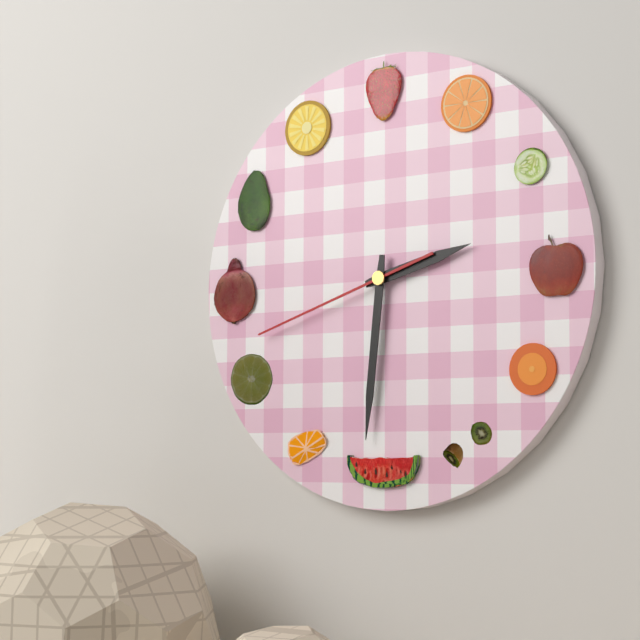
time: 2:31:42
